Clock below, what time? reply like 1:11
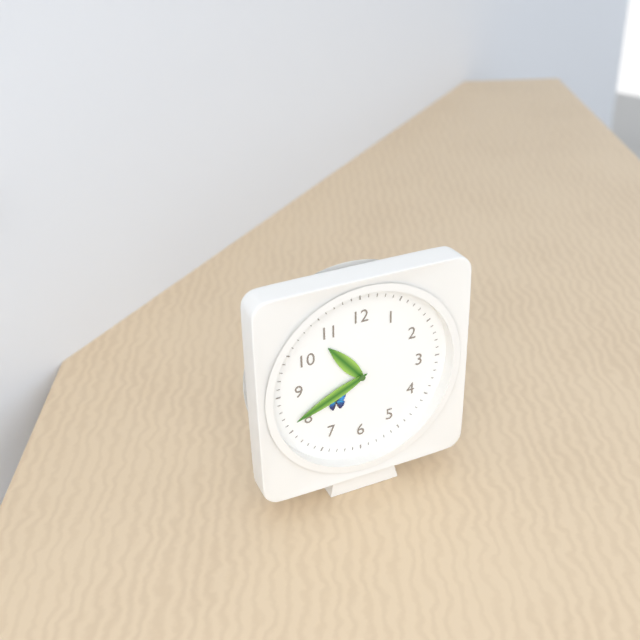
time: 10:41
